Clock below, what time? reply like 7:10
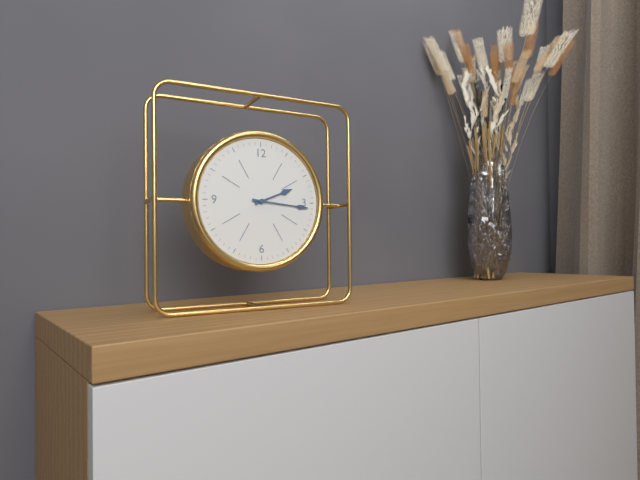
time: 2:16
